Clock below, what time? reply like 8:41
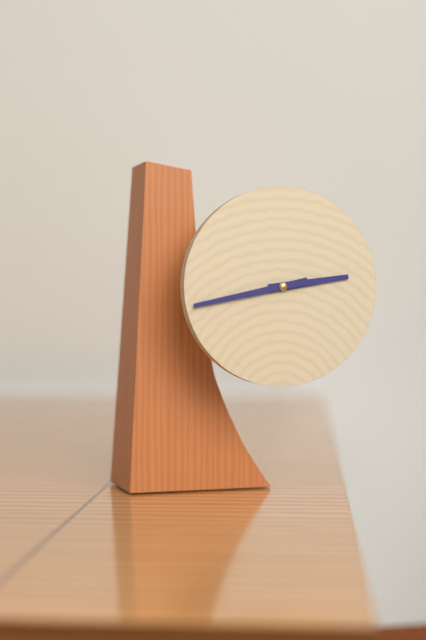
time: 2:43
